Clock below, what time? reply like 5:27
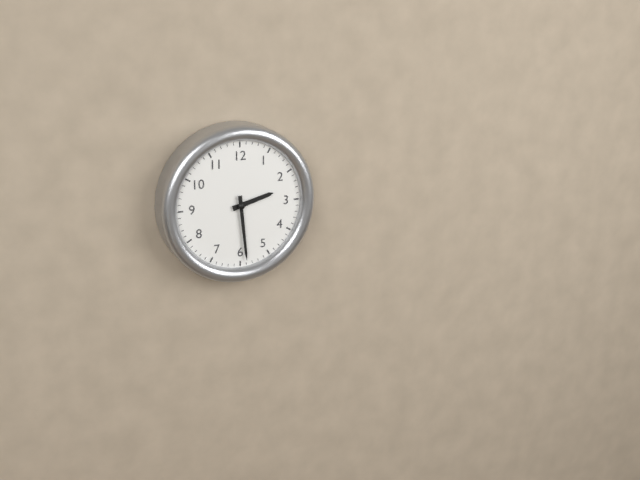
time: 2:29
